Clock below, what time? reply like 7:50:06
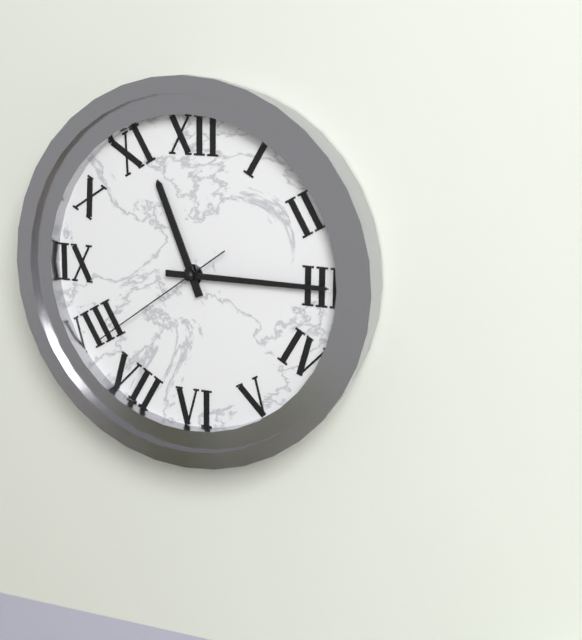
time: 11:15:39
